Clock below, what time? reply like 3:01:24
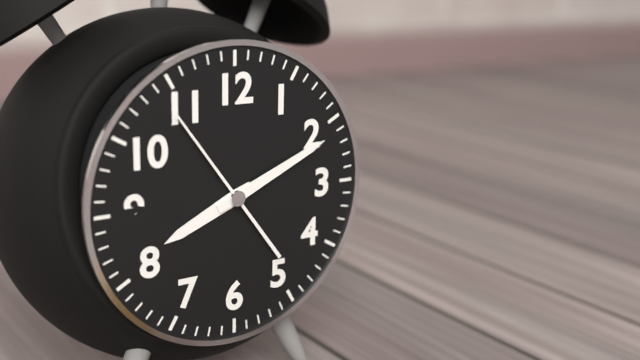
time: 8:11:54
